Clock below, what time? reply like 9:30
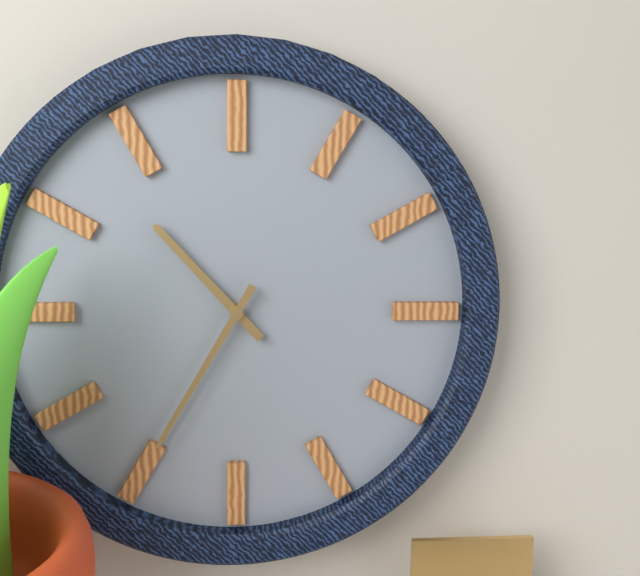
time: 10:35
